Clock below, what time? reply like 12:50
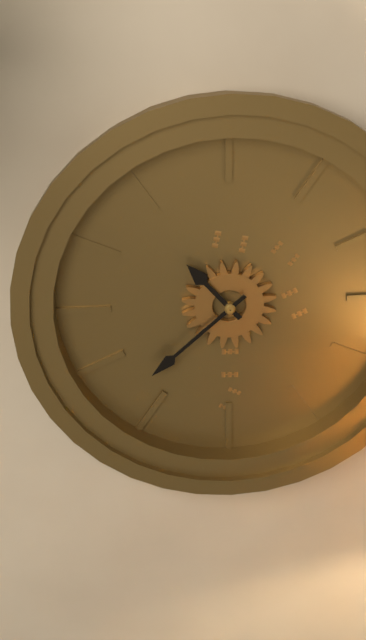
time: 10:38
